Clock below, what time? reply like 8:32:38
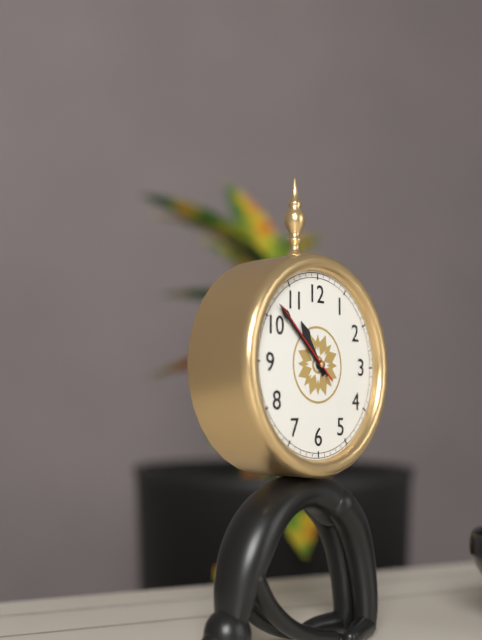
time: 10:52:52
